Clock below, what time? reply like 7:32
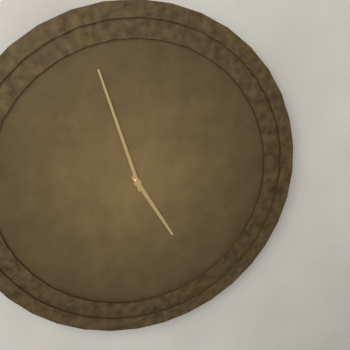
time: 4:57
